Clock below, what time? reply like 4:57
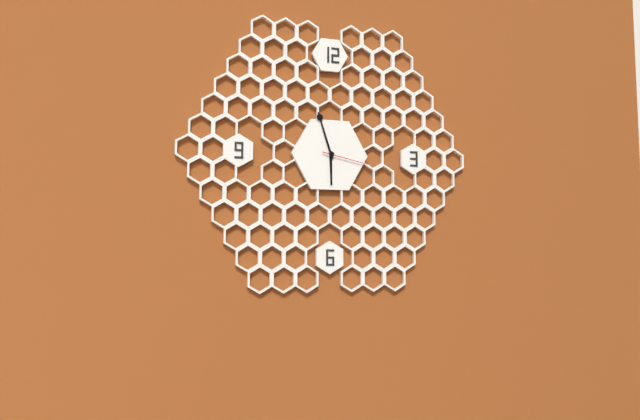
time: 5:57
